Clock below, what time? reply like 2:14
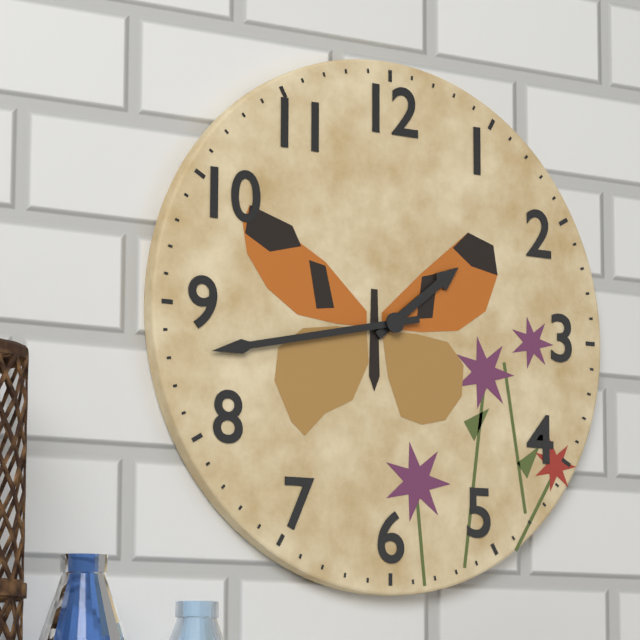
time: 1:43
